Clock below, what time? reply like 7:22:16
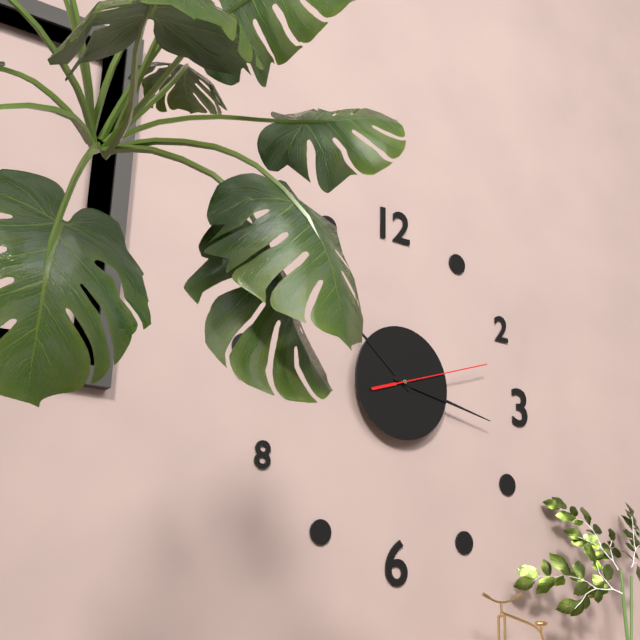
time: 10:17:12
